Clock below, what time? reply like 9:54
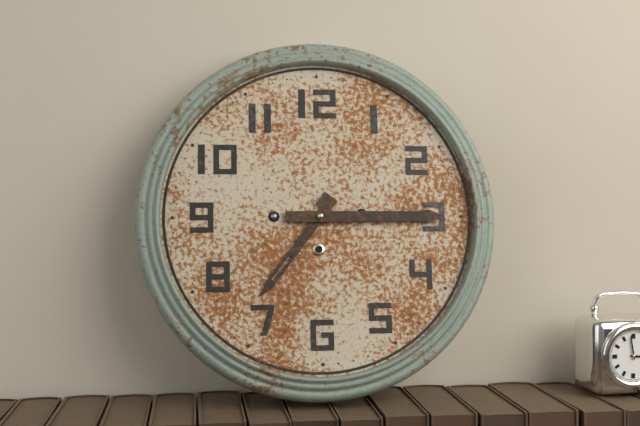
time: 7:15
